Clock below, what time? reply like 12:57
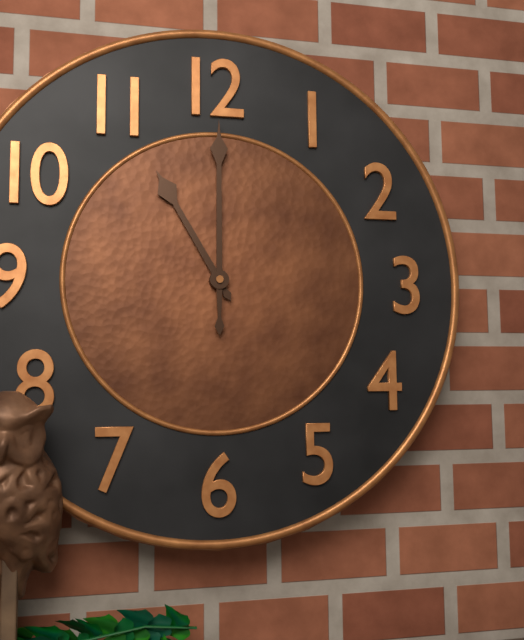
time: 11:00
